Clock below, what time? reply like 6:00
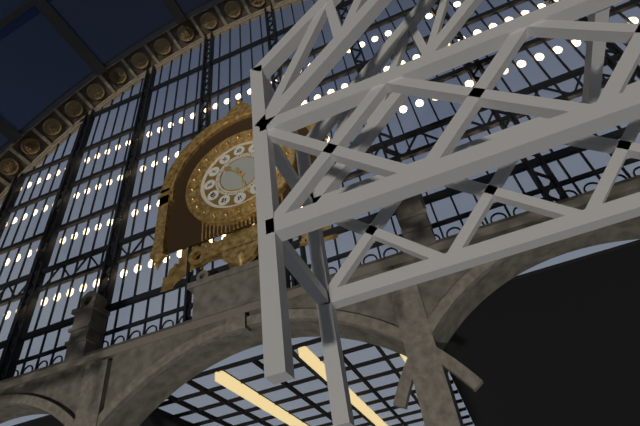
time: 10:27
